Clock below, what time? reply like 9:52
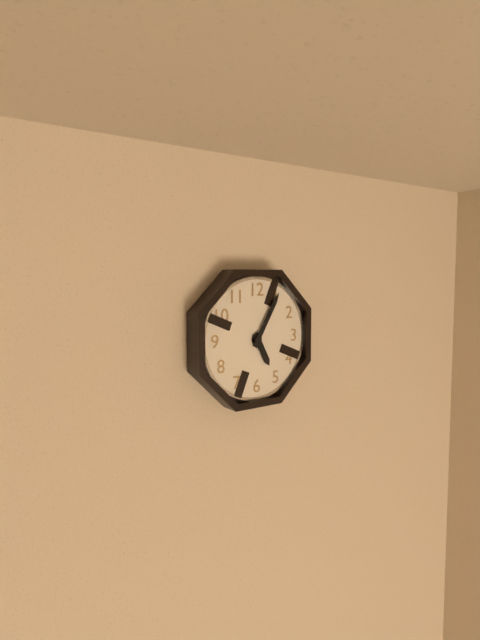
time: 5:05
